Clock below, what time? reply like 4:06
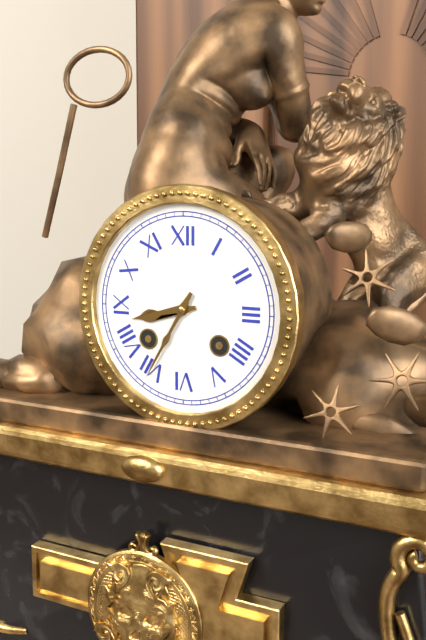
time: 8:35
